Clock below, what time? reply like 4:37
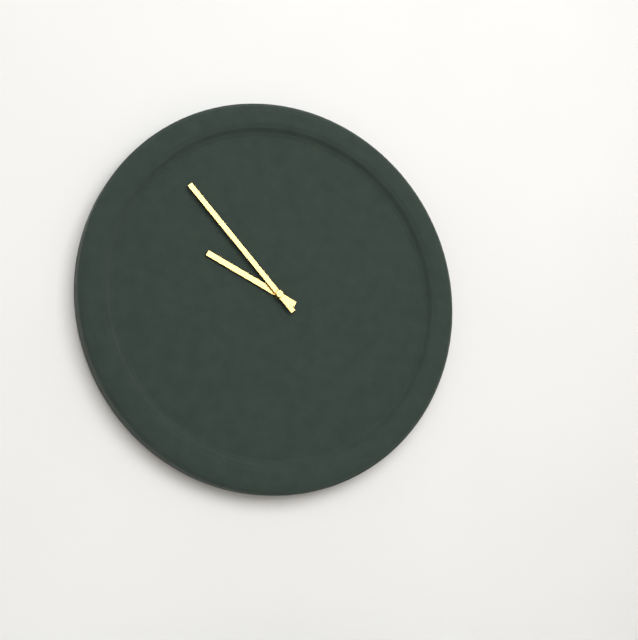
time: 9:53
